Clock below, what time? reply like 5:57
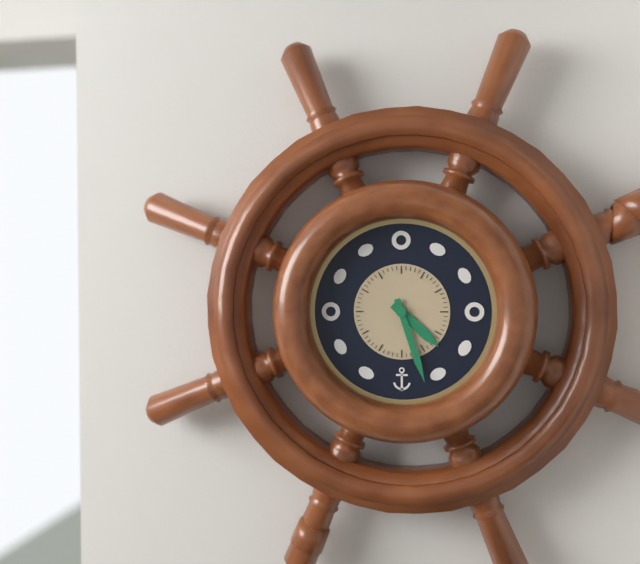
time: 4:27
